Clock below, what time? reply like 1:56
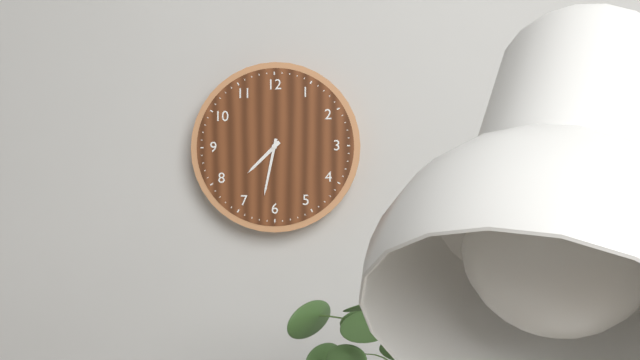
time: 7:32
